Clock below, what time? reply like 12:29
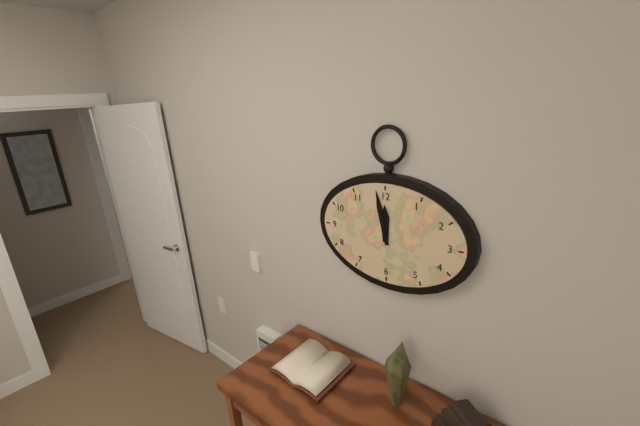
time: 11:58
